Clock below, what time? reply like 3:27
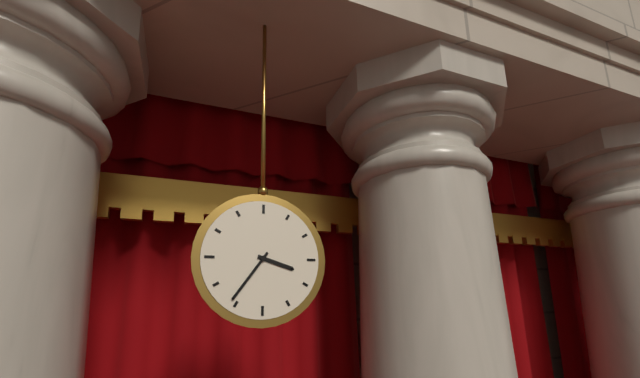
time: 3:36
